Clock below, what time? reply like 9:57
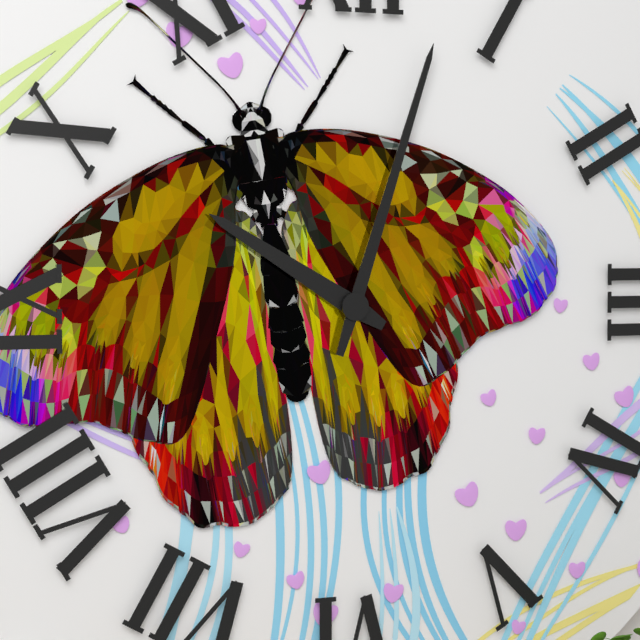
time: 10:03
